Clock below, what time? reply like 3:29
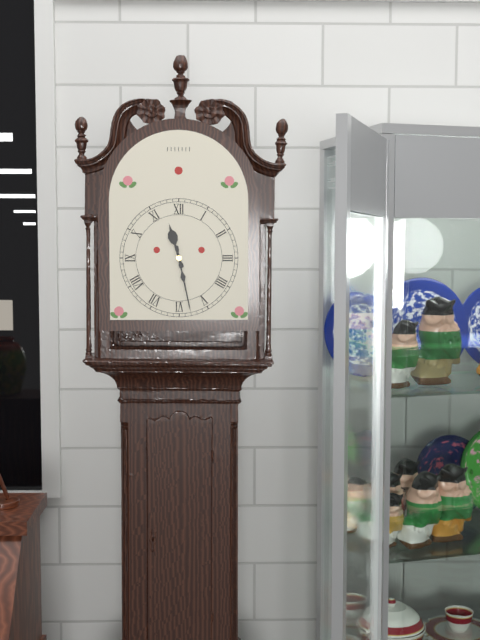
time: 11:28
